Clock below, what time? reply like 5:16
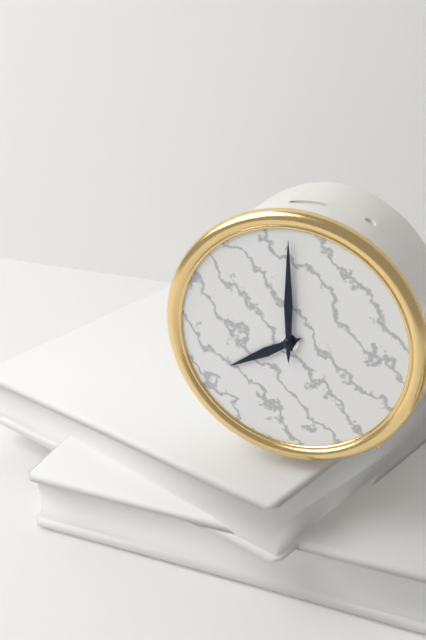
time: 8:00
